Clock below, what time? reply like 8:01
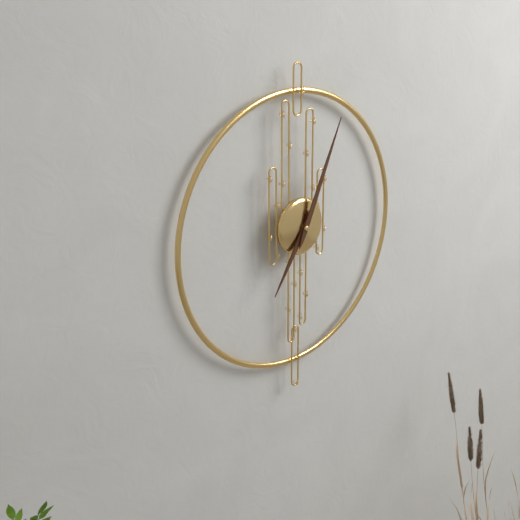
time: 7:04
